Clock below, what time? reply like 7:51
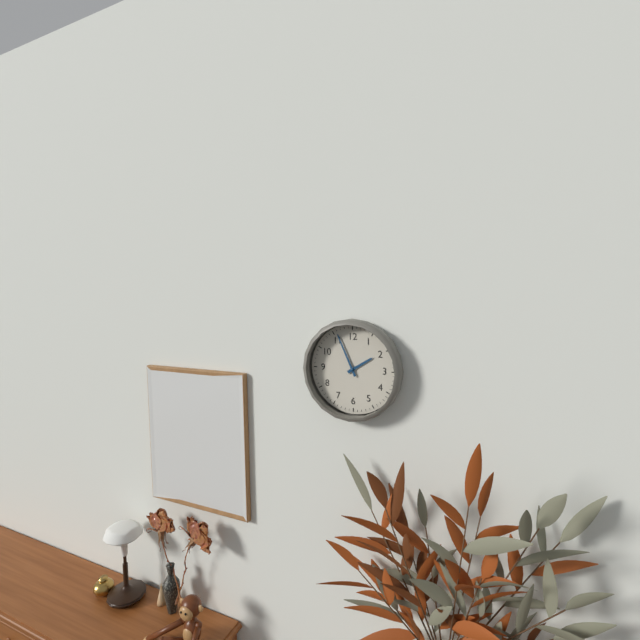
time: 1:56
